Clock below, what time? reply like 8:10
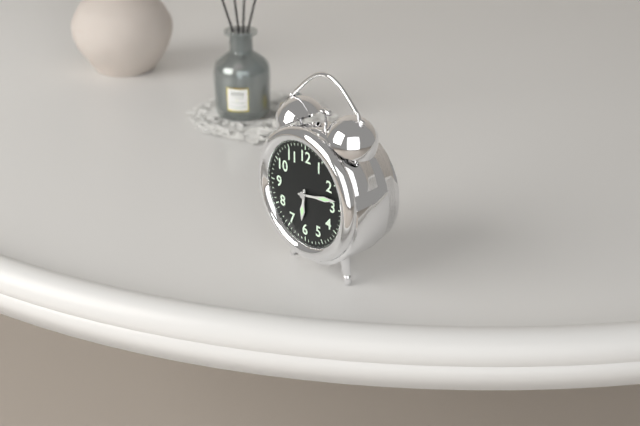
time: 6:13
